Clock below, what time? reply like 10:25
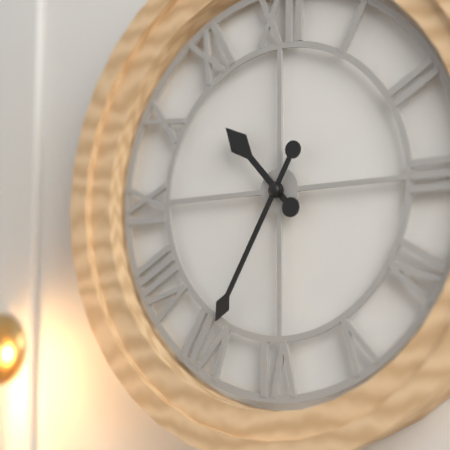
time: 10:35
